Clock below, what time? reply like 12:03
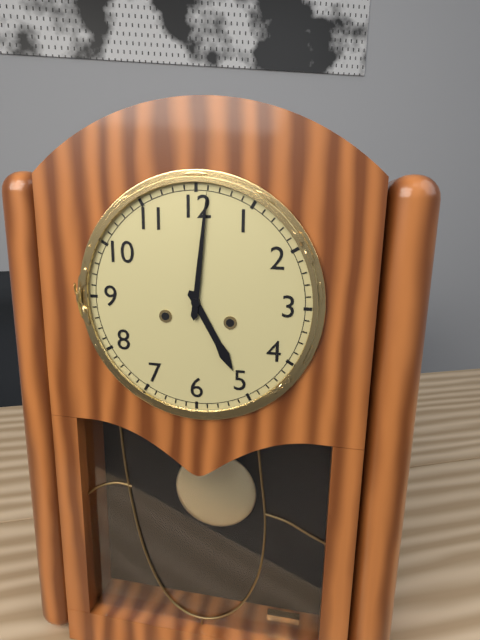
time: 5:01
